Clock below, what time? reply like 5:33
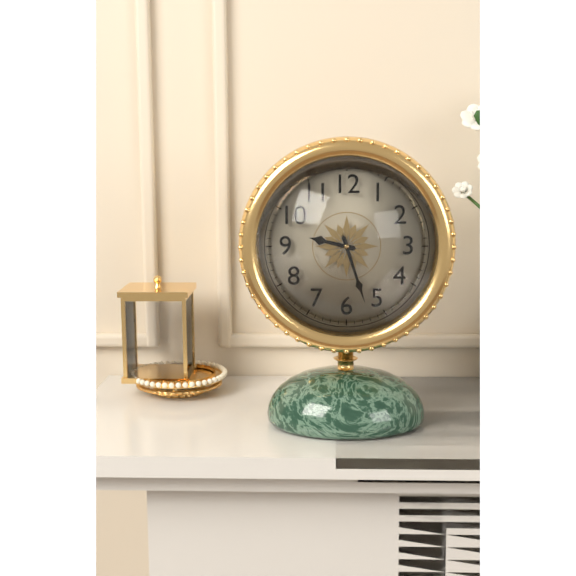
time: 9:27
